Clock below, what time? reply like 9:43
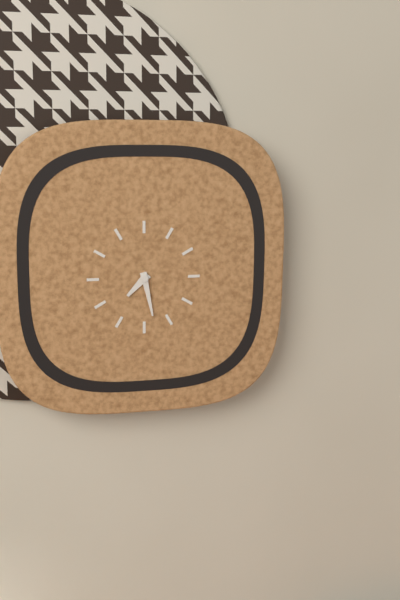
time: 7:28
